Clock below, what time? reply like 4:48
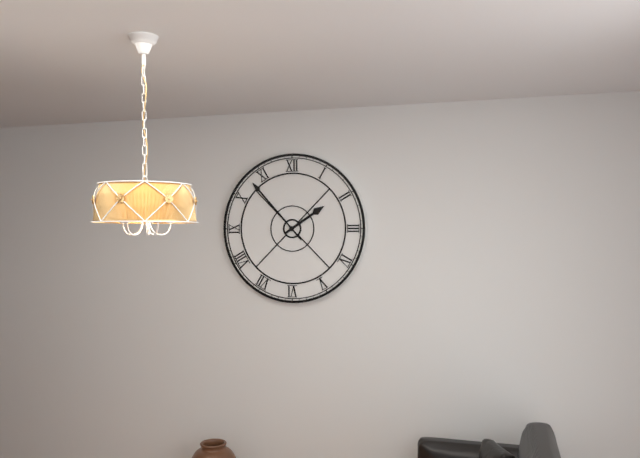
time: 1:53
